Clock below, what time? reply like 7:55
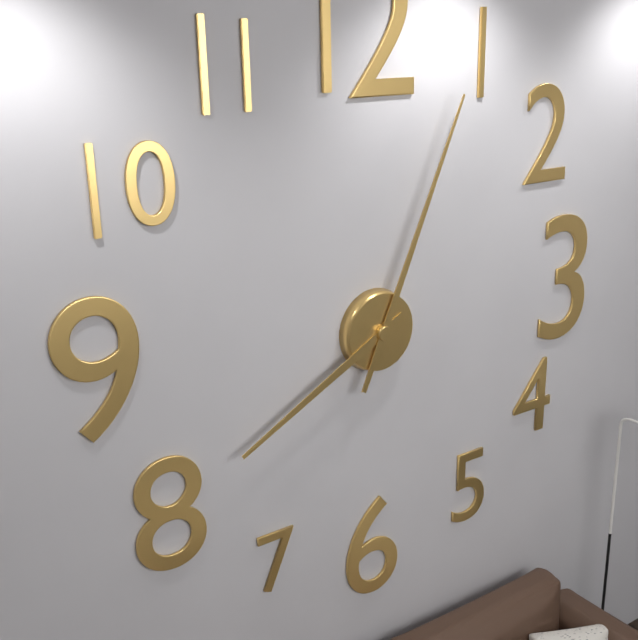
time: 8:04
